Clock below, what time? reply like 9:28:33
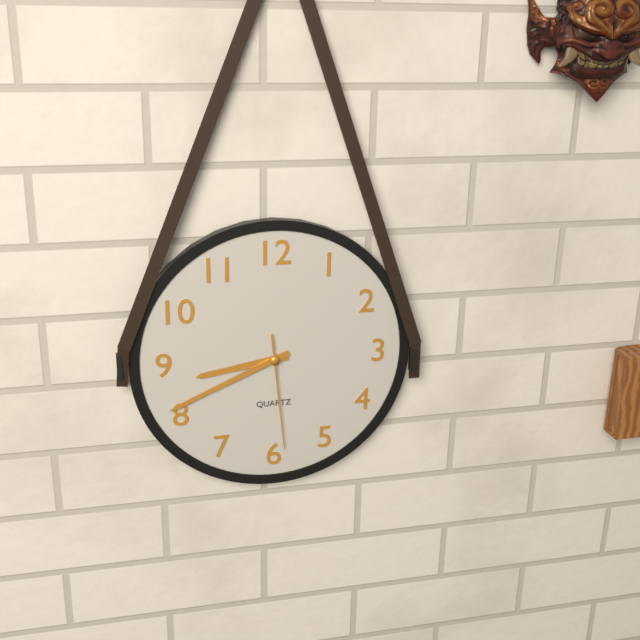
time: 8:41:29
